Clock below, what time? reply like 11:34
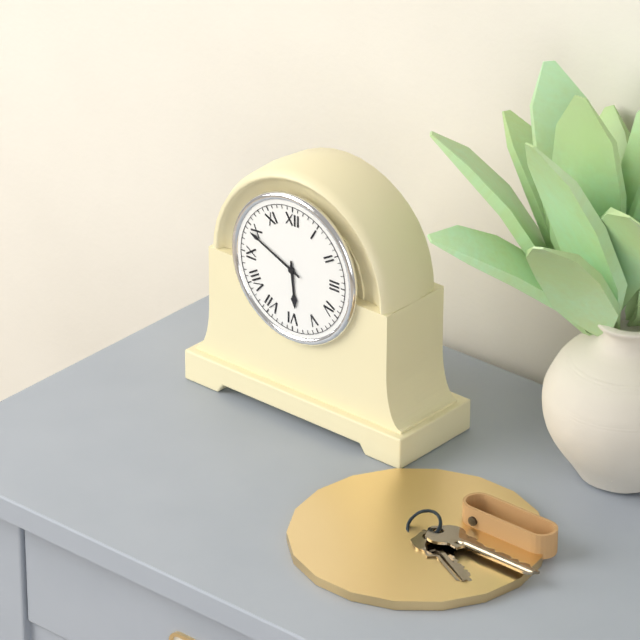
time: 5:49
